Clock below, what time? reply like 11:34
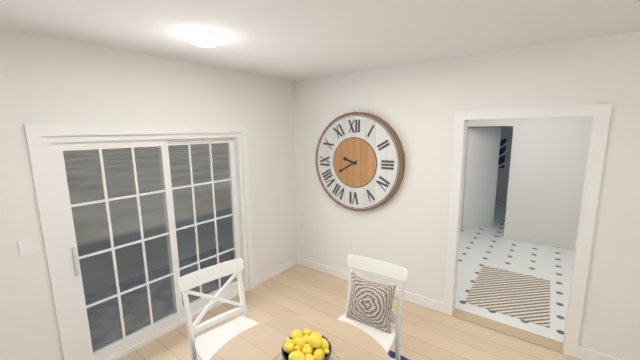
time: 9:40
